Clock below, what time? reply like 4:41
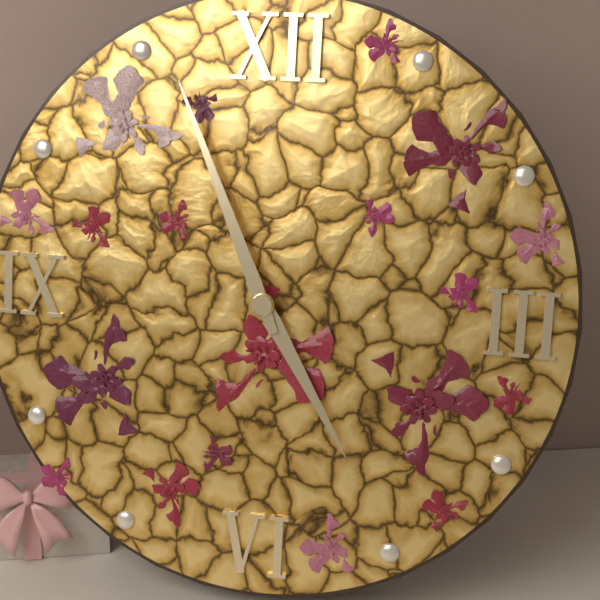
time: 4:56
